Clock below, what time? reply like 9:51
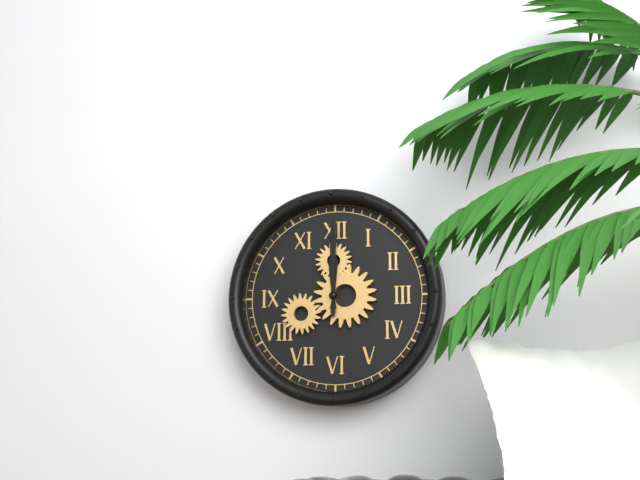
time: 12:00
